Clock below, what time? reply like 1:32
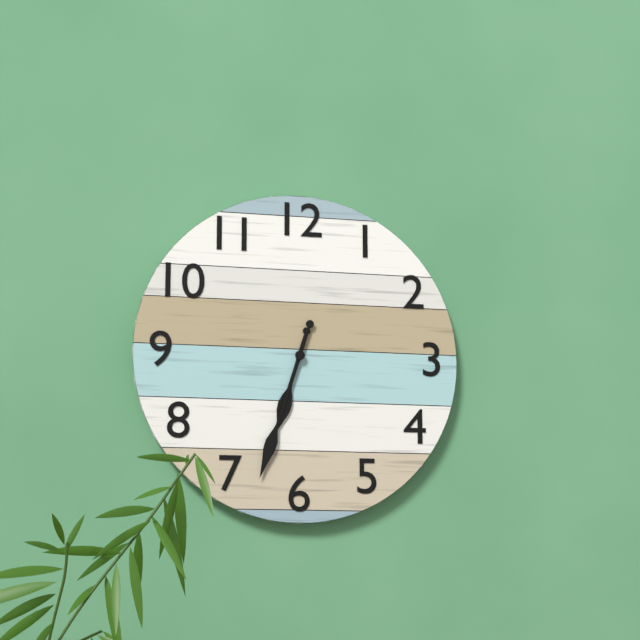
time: 6:33
